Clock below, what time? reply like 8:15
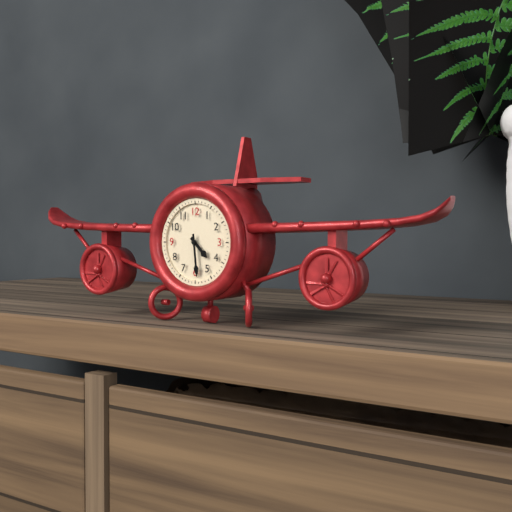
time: 4:29
